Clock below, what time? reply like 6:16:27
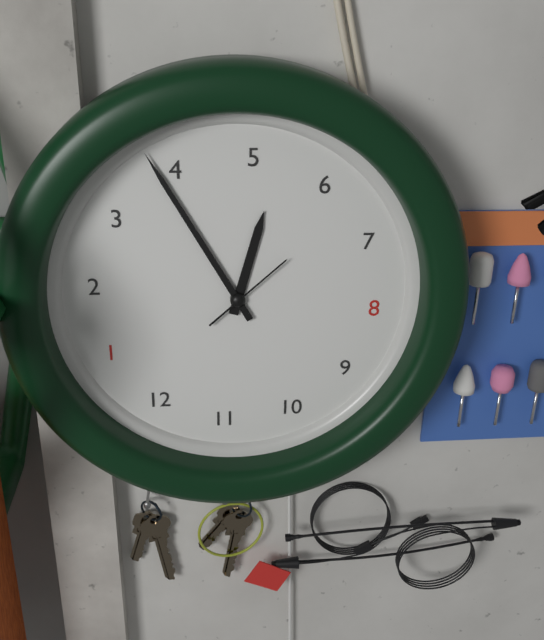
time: 5:19:32
